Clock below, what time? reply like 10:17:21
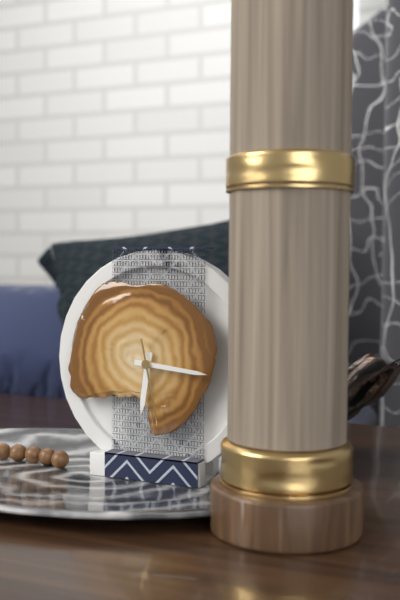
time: 6:16:28
